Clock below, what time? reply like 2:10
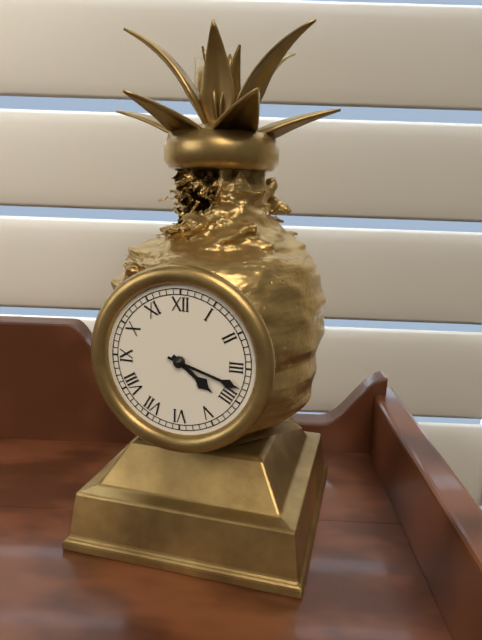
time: 4:18
